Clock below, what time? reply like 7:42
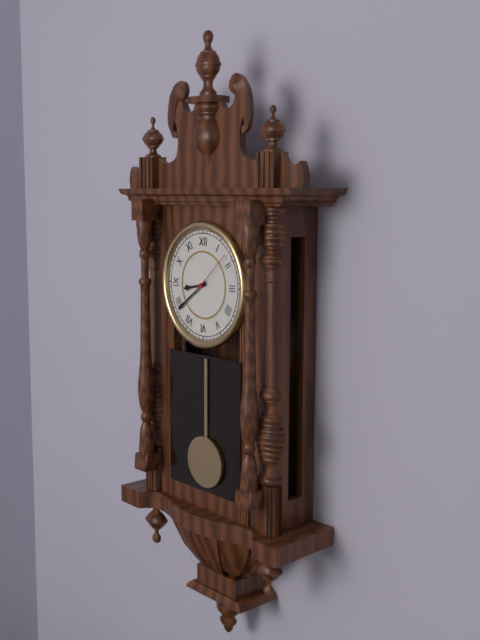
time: 8:39
